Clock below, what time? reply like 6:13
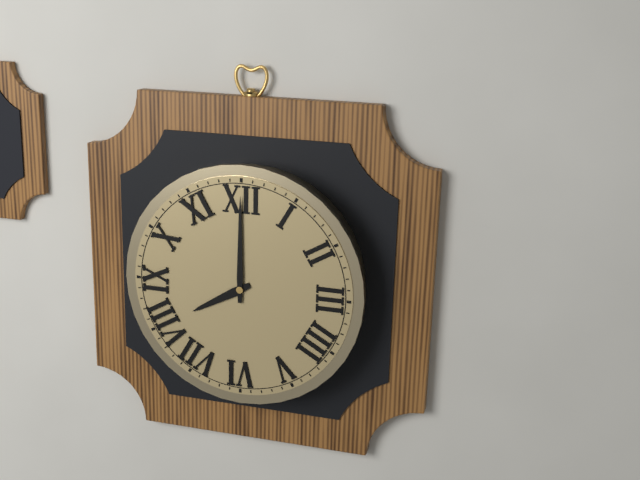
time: 8:00
